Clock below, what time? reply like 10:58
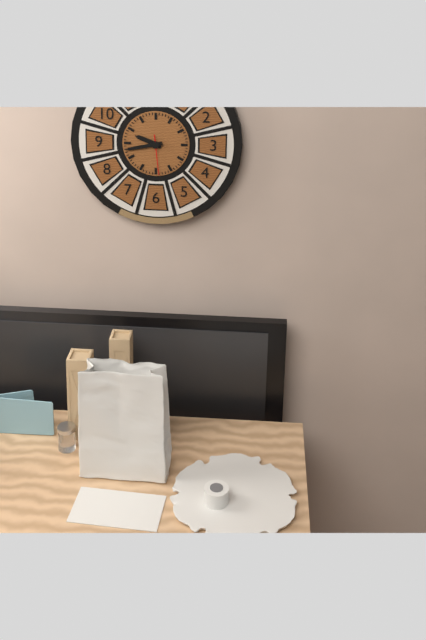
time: 9:43
